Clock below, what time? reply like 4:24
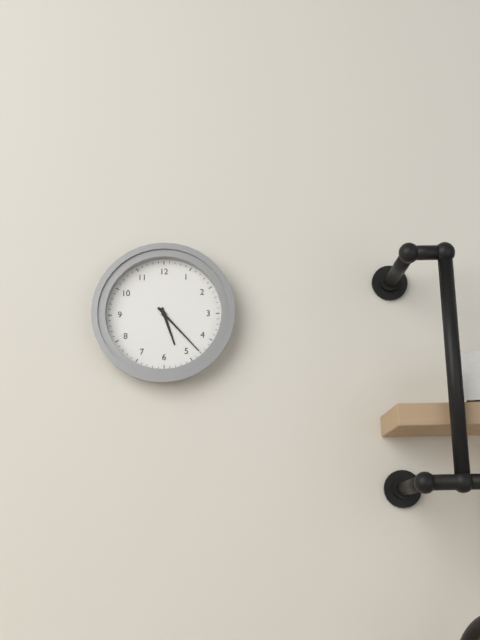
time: 5:23
